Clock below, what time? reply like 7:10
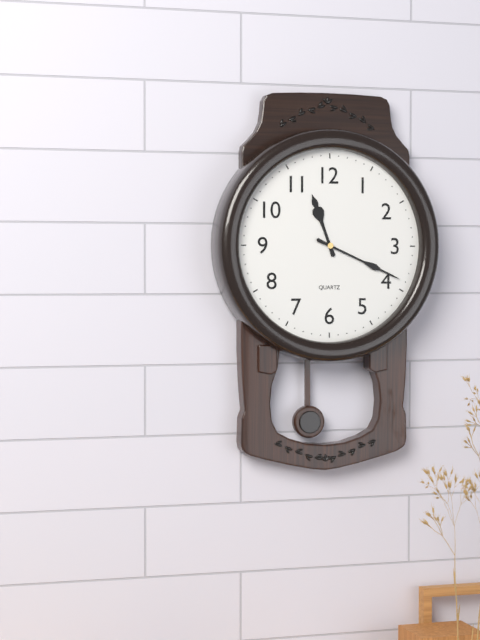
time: 11:19
